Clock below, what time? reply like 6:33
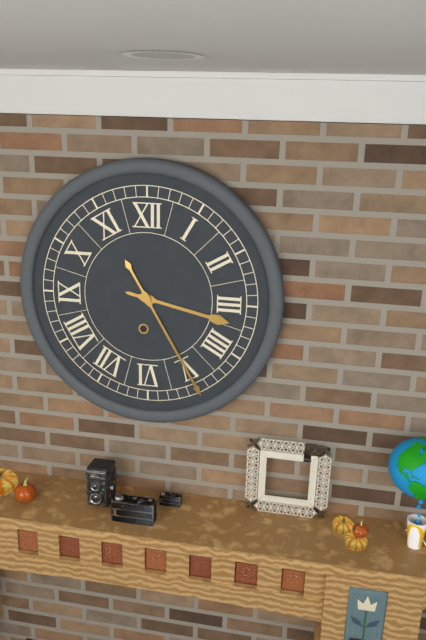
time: 3:25
